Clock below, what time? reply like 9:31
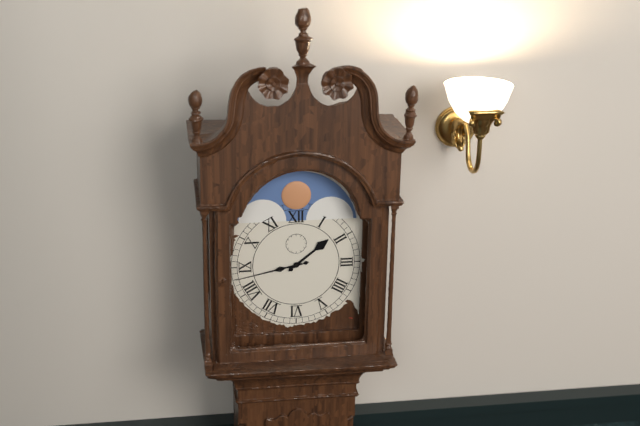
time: 1:43
